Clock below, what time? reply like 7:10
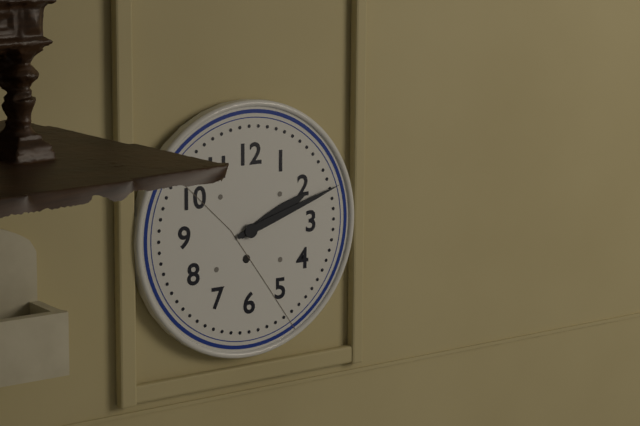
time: 2:12
